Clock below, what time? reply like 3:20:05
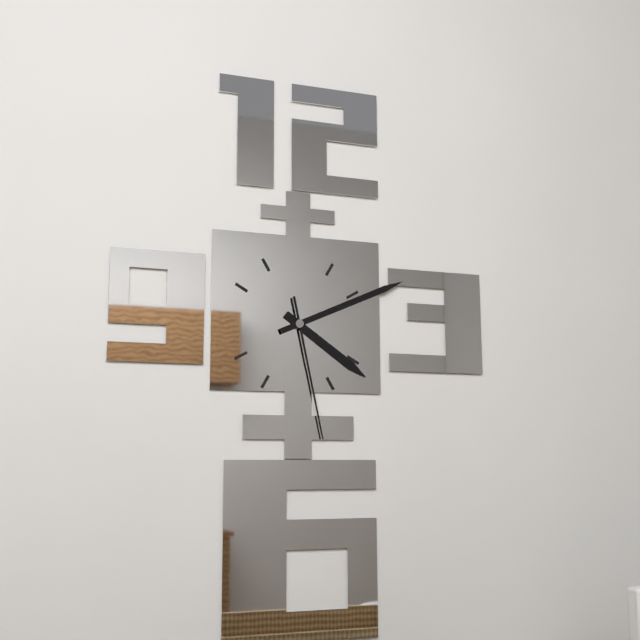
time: 4:11:28
